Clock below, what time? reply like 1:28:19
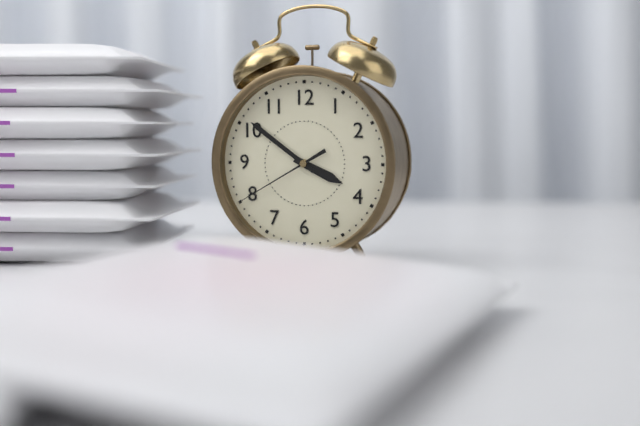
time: 3:51:40
